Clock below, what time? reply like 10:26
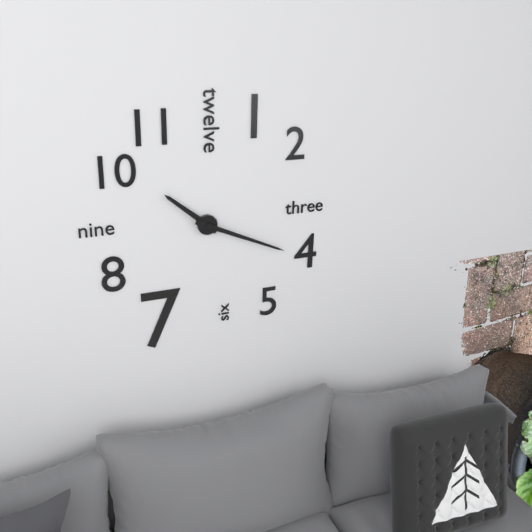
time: 10:19
